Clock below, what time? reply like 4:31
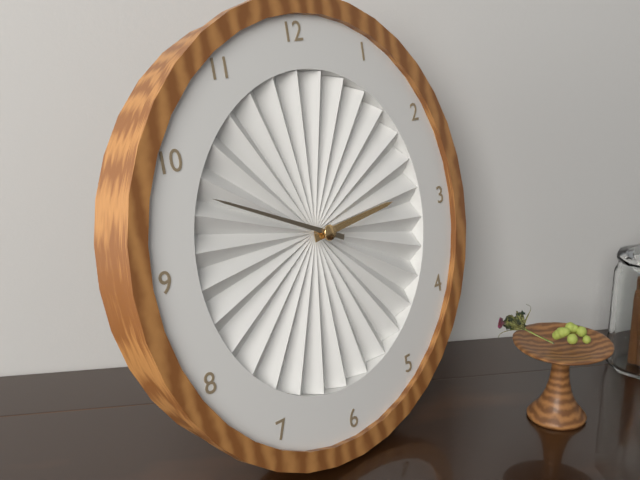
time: 2:49
